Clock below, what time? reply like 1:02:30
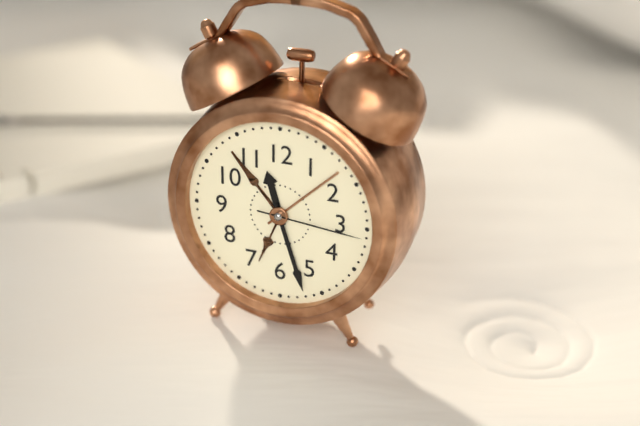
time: 11:27:16
